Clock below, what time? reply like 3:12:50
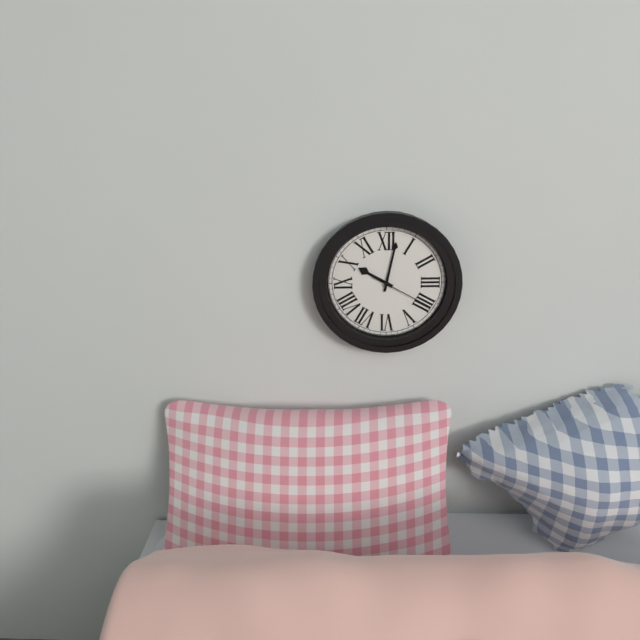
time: 10:02:20
